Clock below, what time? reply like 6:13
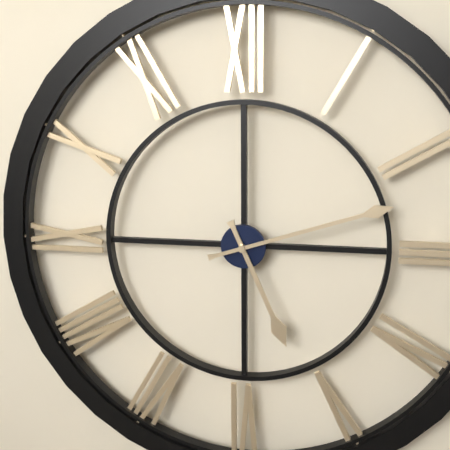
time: 5:12
